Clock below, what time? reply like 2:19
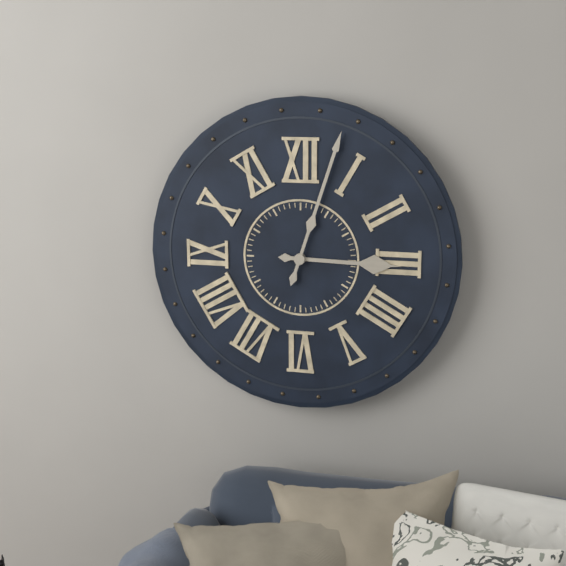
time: 3:03
